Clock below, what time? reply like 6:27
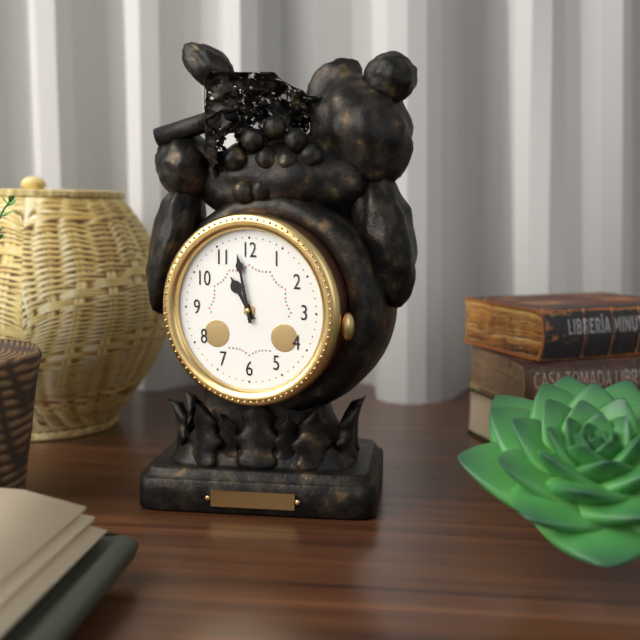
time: 10:58
